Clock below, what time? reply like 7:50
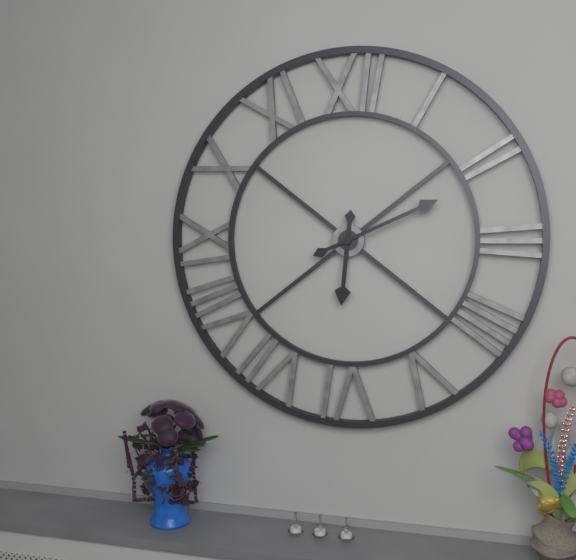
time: 6:11
